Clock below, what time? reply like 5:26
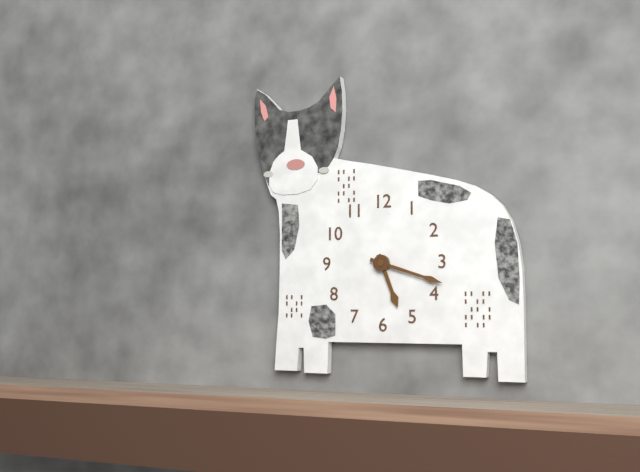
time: 5:18
